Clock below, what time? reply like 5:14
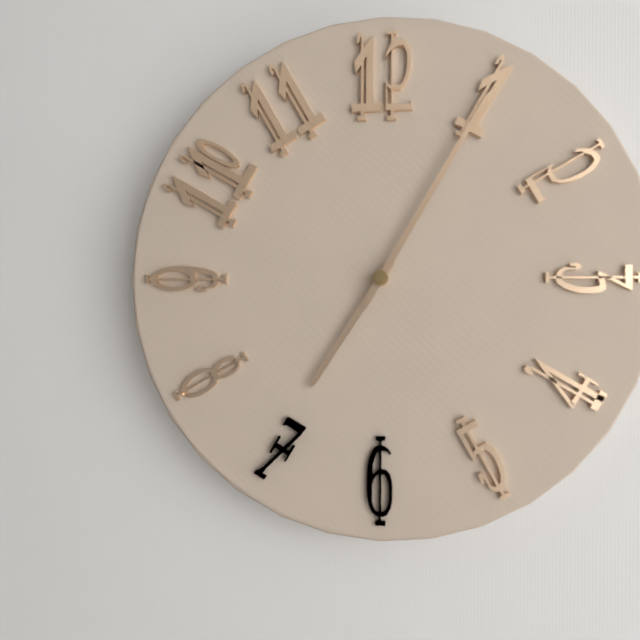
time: 7:05
